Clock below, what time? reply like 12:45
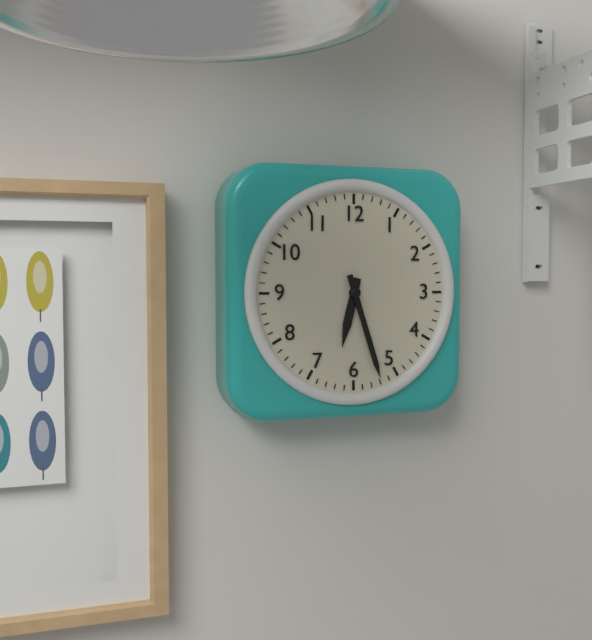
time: 6:27
